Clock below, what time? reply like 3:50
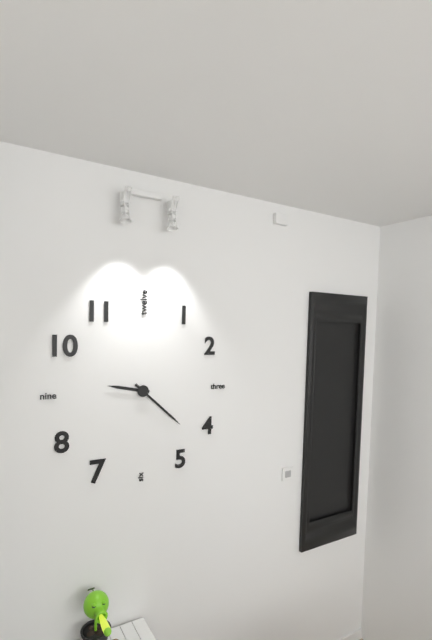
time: 9:22
